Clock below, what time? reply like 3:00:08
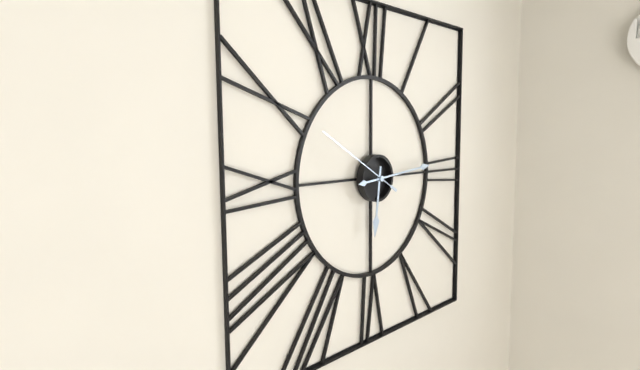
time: 6:14:50
